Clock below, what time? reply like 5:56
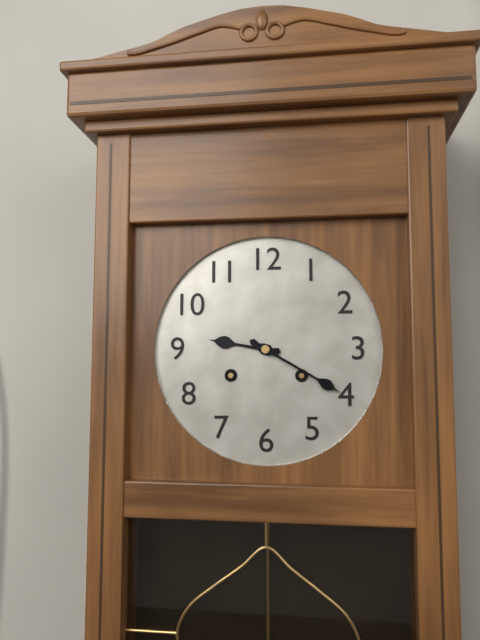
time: 9:20
